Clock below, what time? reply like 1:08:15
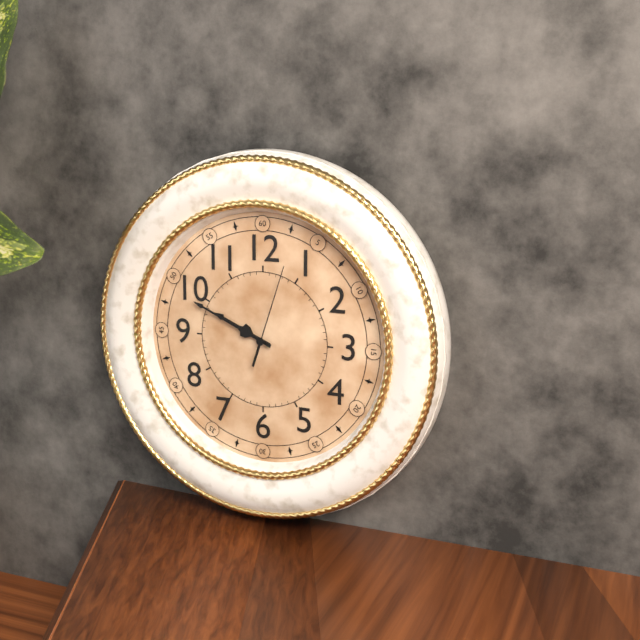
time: 9:49:03
